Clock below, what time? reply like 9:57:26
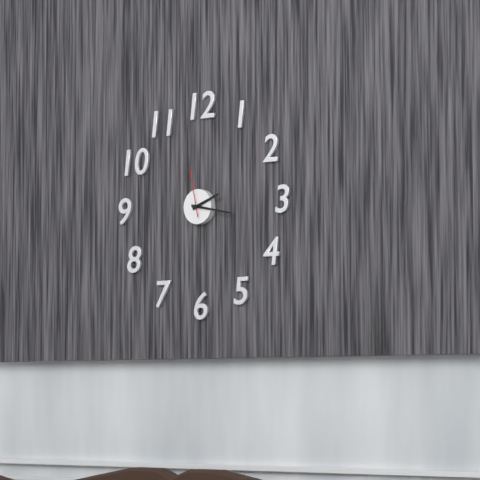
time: 2:17:58
